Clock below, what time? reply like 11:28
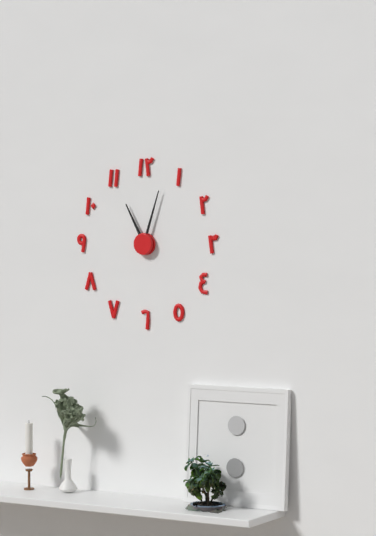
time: 11:03
